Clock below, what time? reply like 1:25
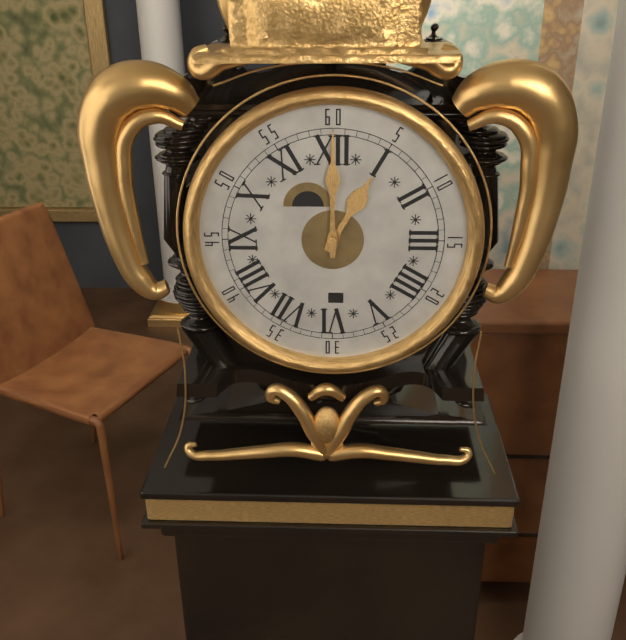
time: 1:00
